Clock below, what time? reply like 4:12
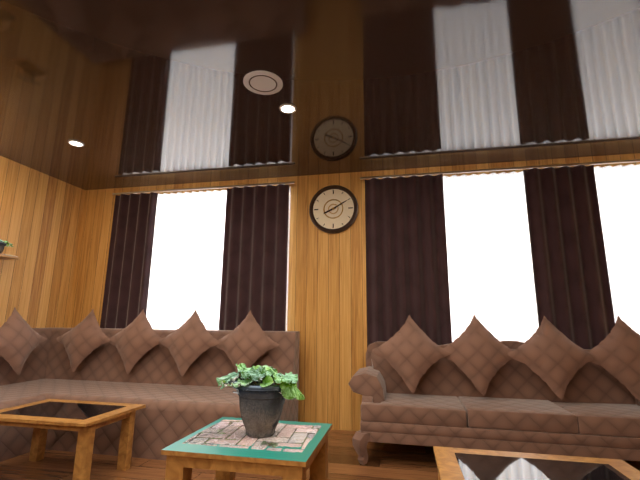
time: 8:10
